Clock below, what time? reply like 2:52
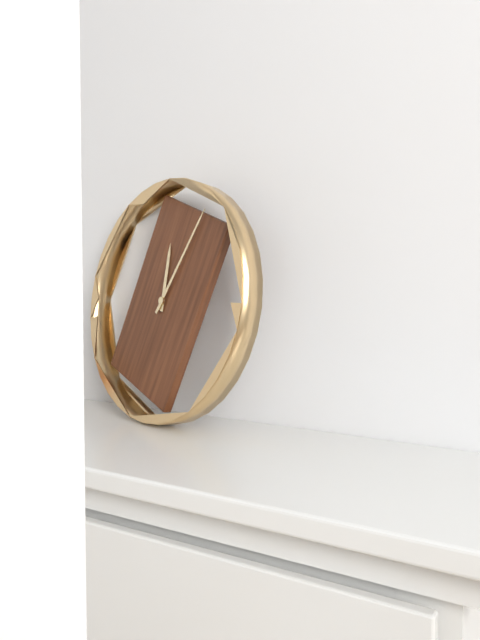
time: 12:05
